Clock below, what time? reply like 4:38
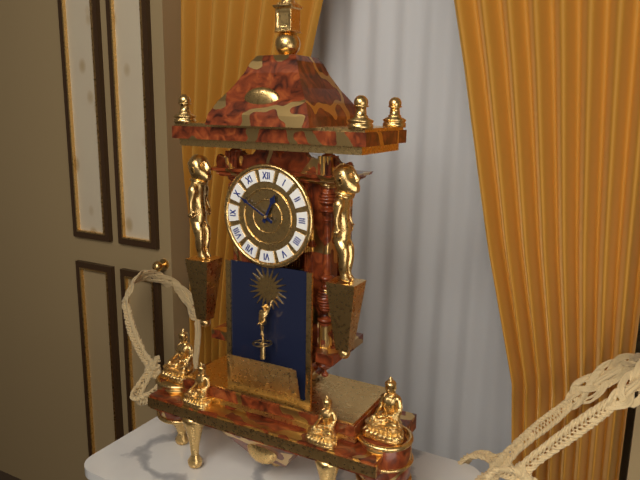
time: 12:50
